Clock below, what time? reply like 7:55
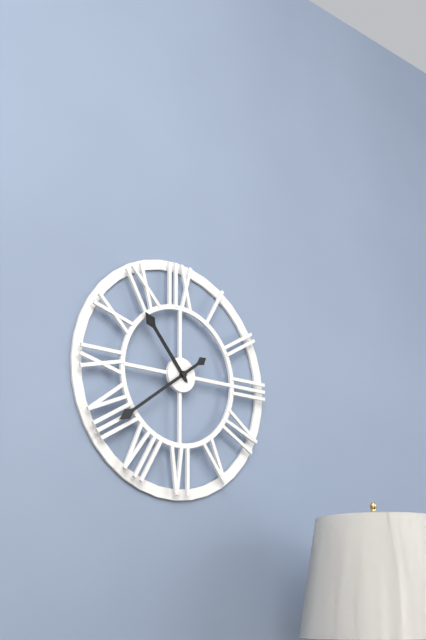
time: 10:39
